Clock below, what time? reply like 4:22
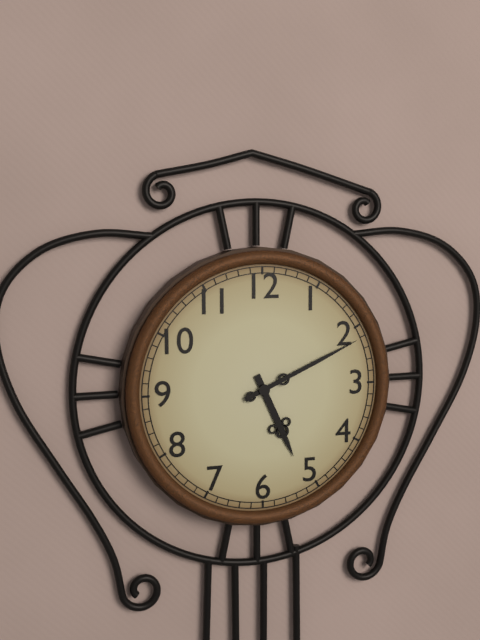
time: 5:11
